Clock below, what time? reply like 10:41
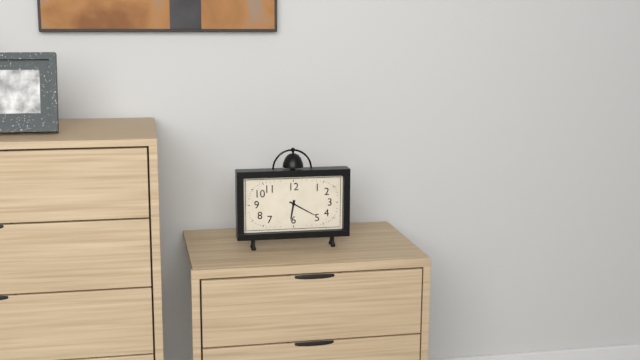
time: 6:20
